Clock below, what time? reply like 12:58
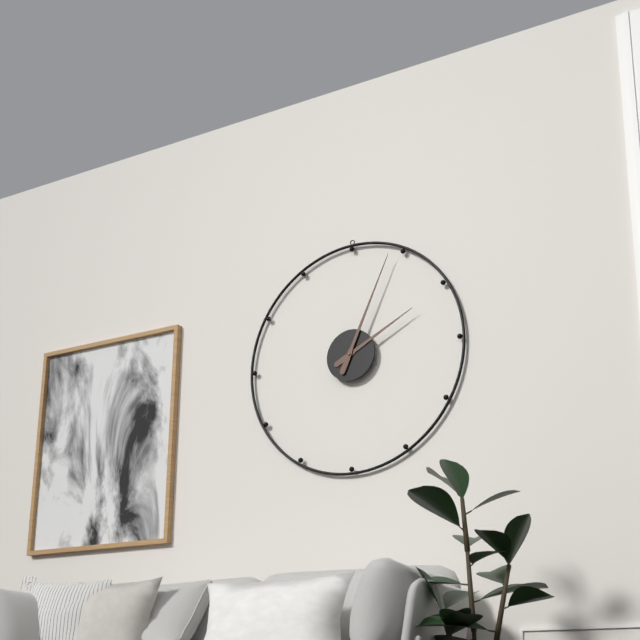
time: 2:04
